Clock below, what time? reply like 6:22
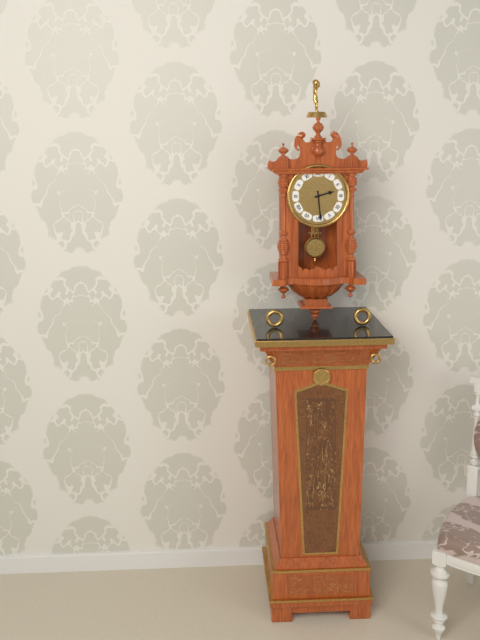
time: 2:29
